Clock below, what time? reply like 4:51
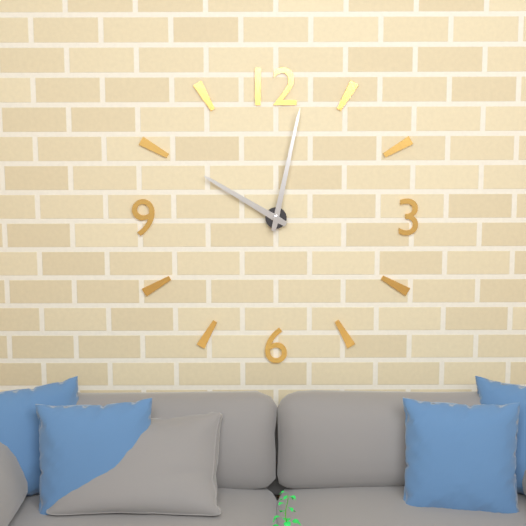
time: 10:02
